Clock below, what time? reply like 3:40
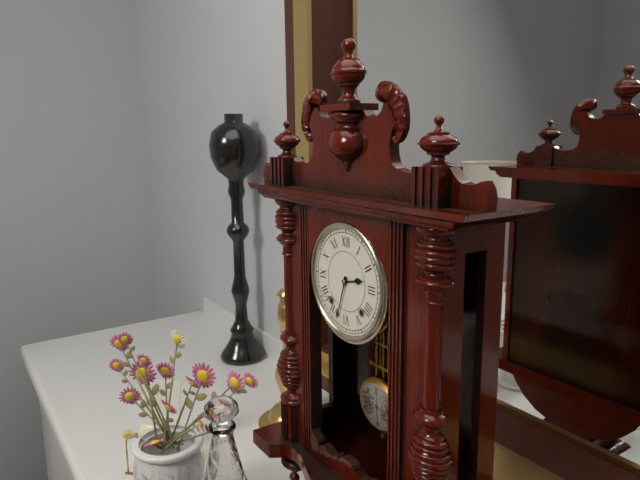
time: 2:33
